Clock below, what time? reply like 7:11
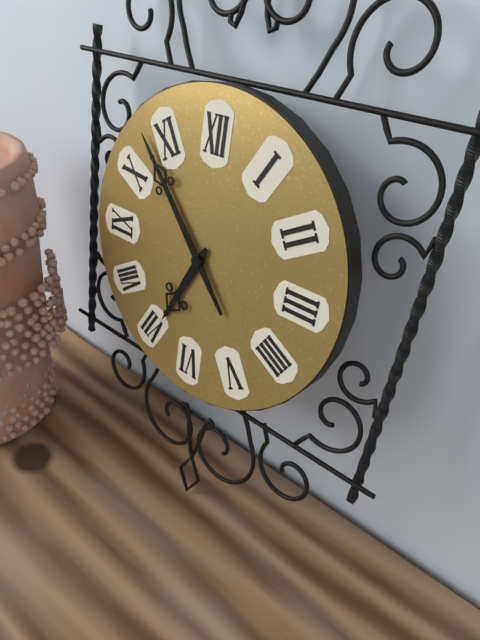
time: 6:53
